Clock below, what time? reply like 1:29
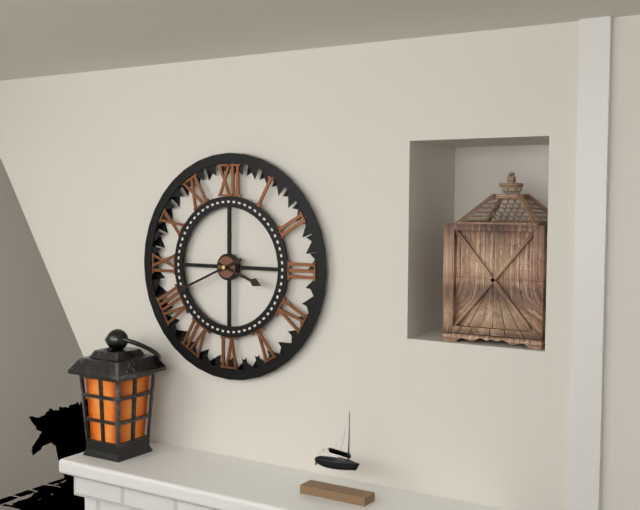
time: 3:41
